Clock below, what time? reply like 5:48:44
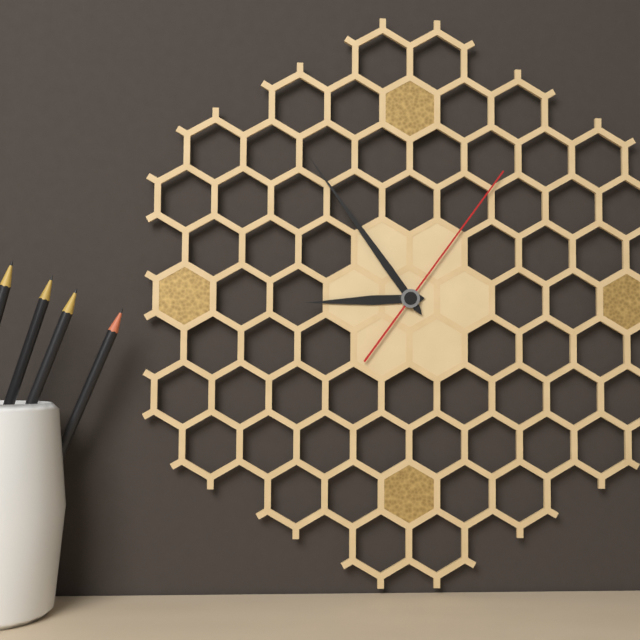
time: 8:54:06
